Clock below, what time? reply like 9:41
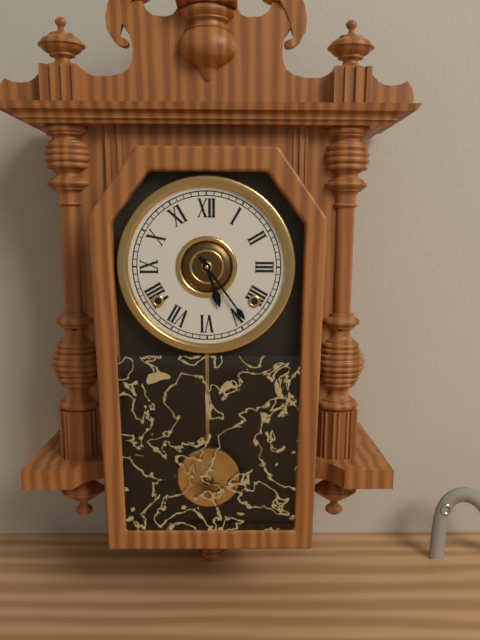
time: 5:24
